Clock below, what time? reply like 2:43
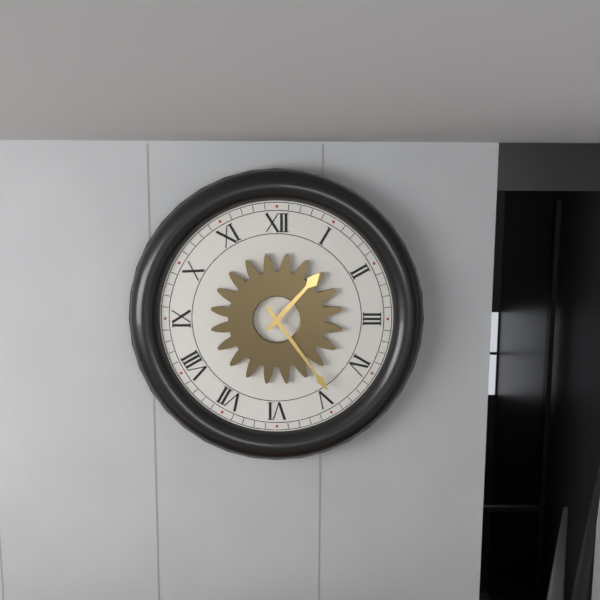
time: 1:24
